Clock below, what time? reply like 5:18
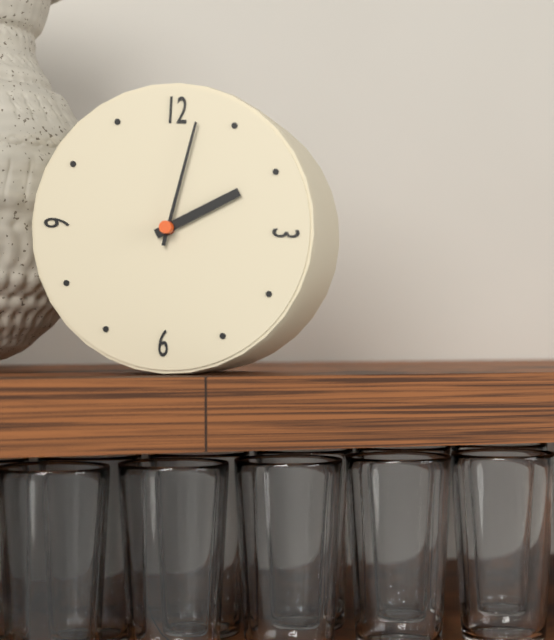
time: 2:02
